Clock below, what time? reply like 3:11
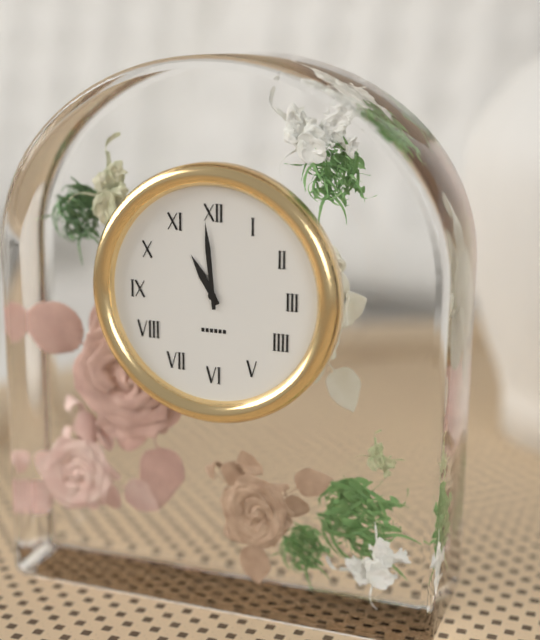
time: 10:59
